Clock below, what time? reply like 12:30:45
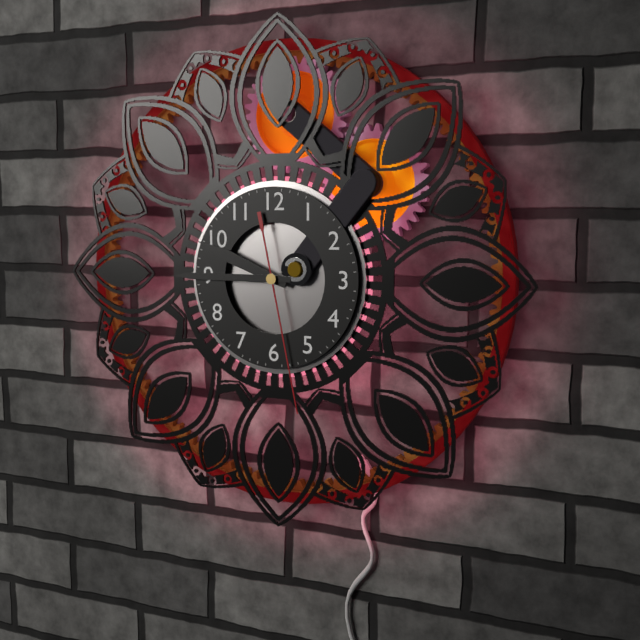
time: 9:45:28
